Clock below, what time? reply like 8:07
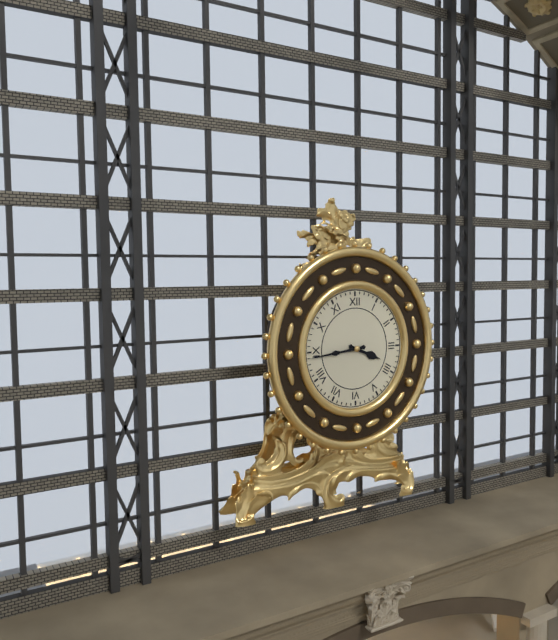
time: 3:44
